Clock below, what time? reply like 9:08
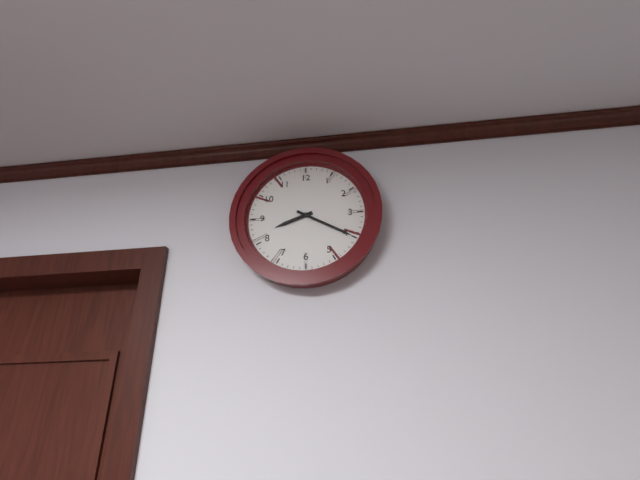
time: 8:20
